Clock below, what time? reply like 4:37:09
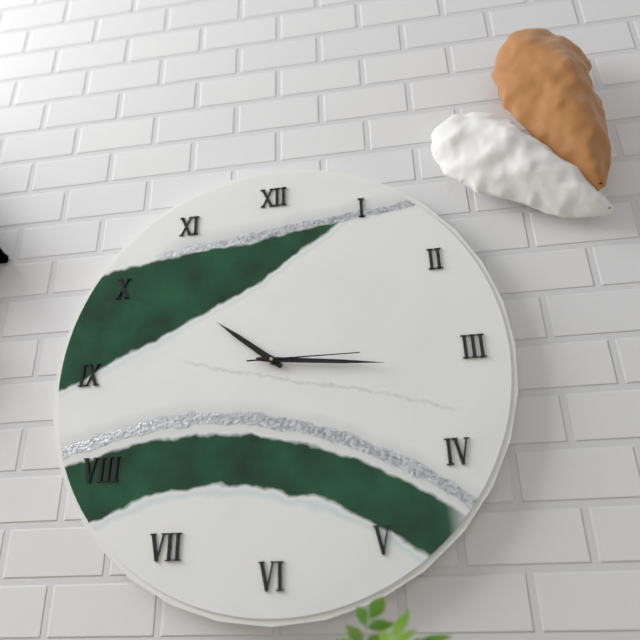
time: 10:16:15
